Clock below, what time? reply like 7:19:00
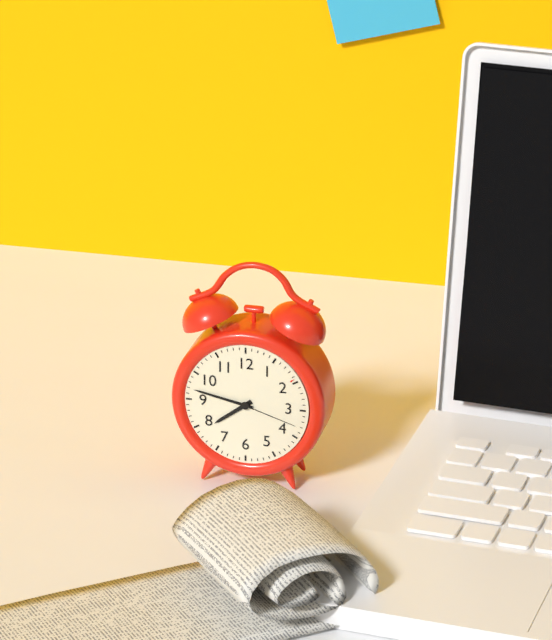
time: 7:47:18
